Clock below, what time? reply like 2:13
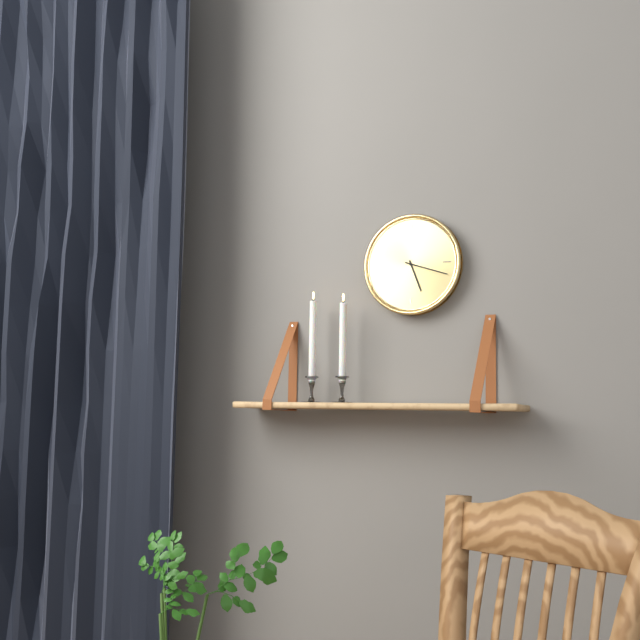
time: 5:18
